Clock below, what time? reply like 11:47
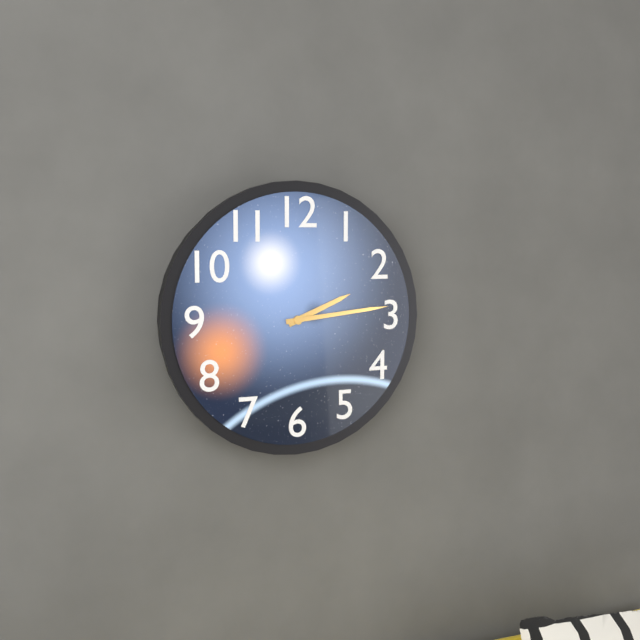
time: 2:14
